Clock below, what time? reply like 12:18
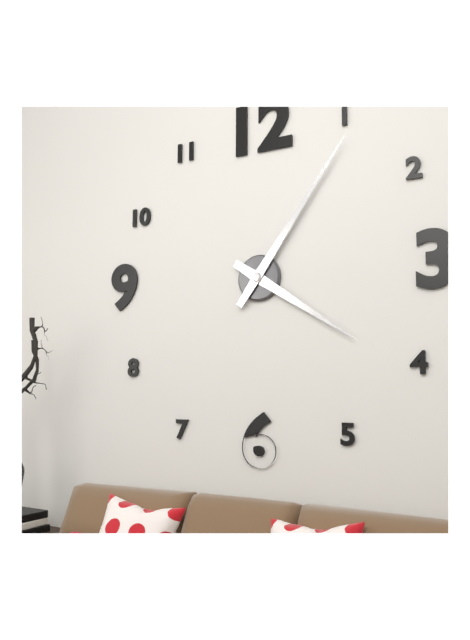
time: 4:06
